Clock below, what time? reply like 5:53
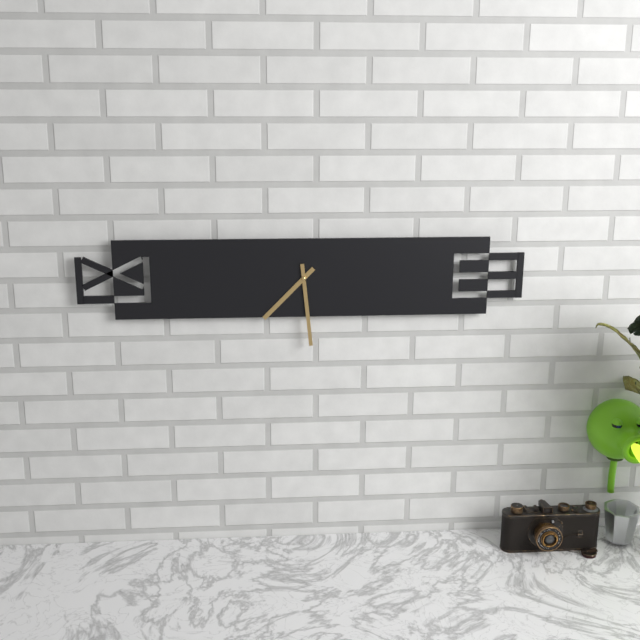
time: 7:29
